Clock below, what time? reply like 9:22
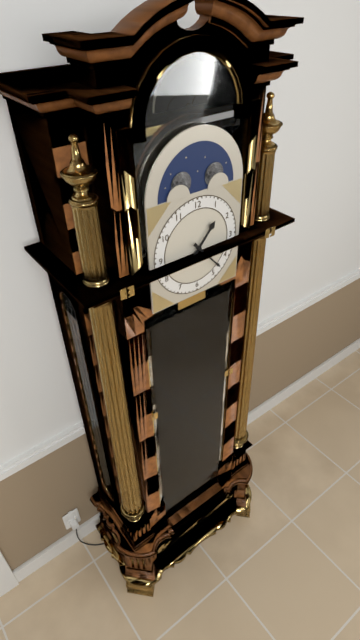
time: 1:23
